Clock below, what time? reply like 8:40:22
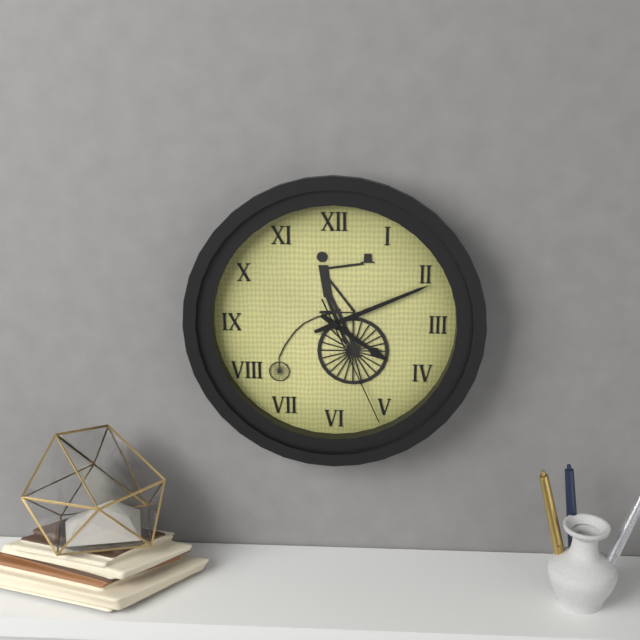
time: 4:11:26
